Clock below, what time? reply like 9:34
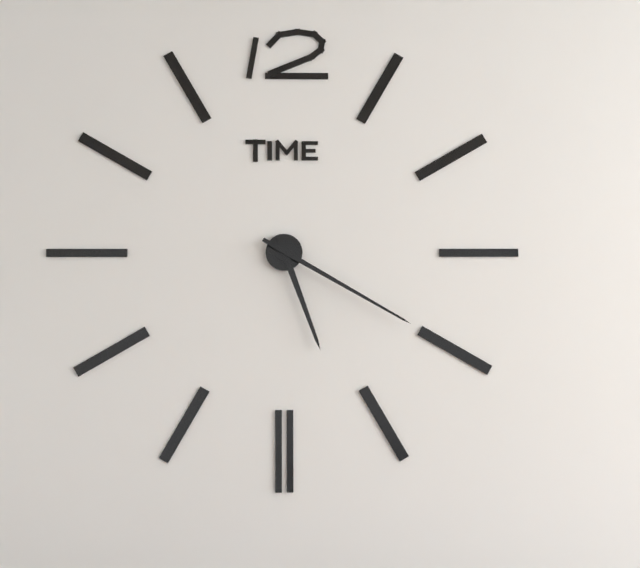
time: 5:20
